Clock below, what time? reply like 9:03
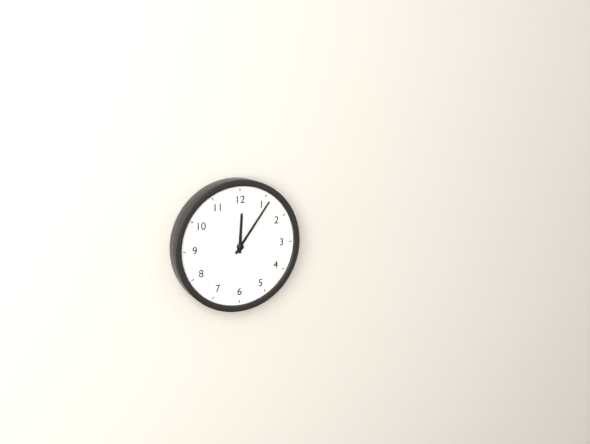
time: 12:06
